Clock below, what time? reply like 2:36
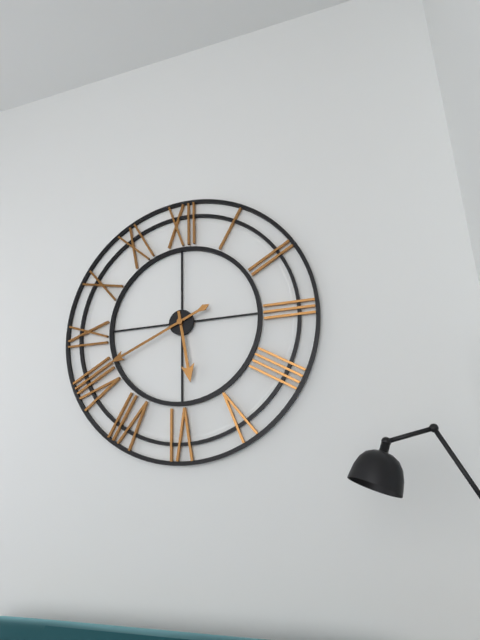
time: 5:41
